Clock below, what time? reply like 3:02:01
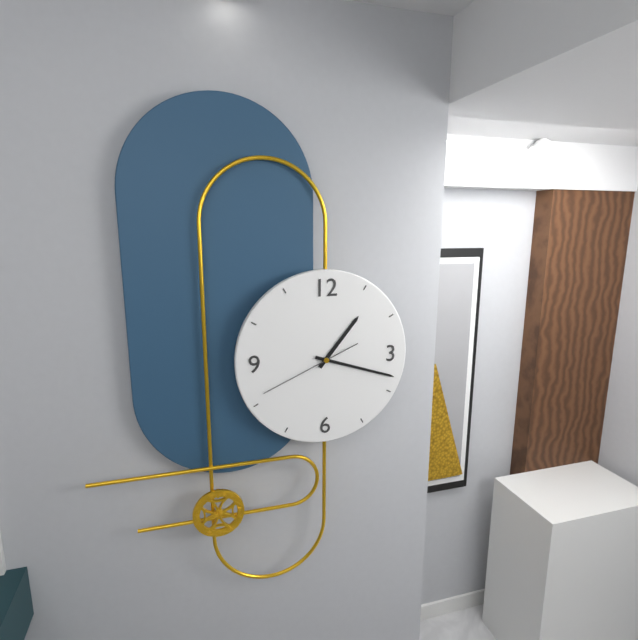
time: 1:18:41
